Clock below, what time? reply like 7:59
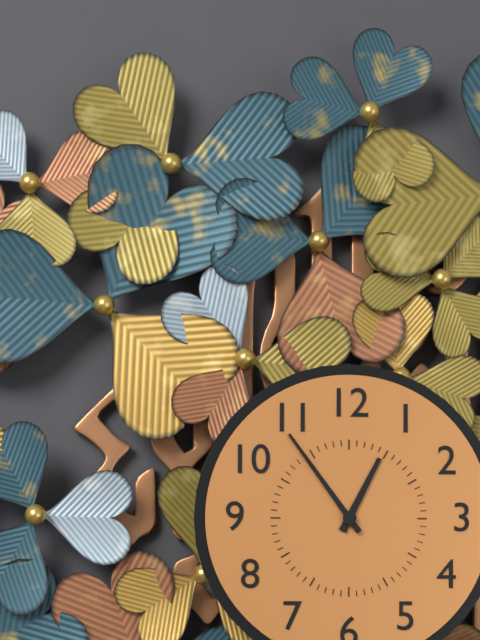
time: 12:54
